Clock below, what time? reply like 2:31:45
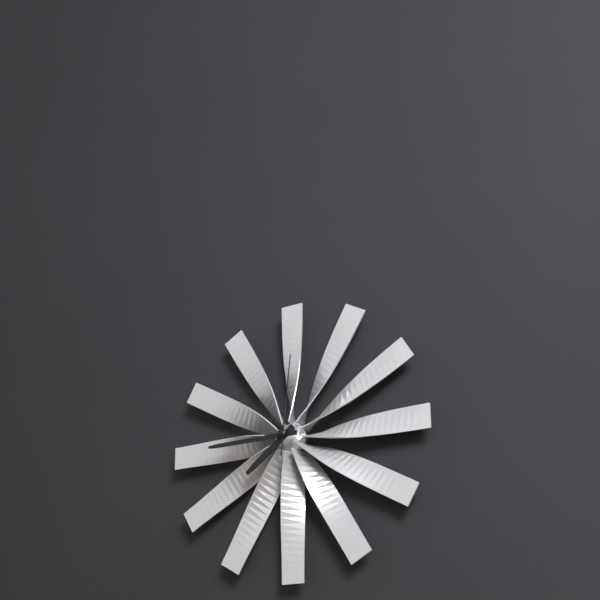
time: 7:45:01
